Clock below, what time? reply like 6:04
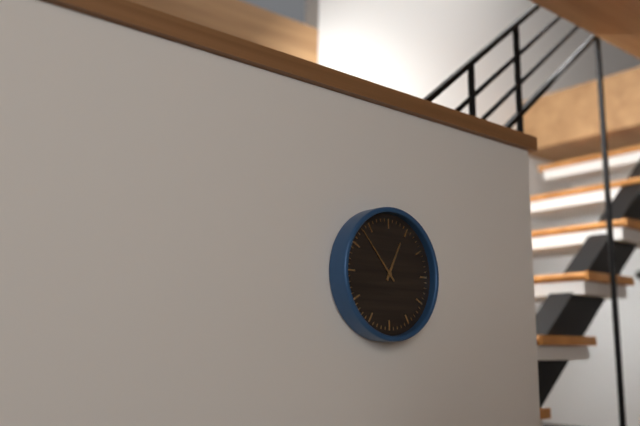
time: 12:53
